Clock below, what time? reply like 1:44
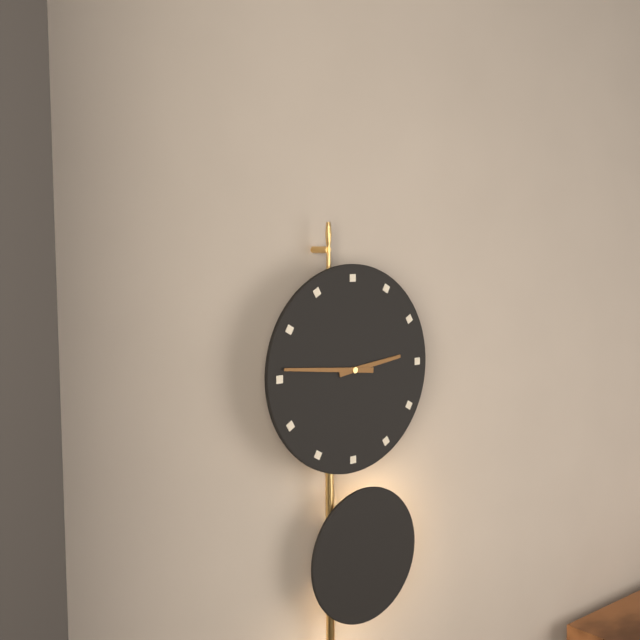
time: 2:46
